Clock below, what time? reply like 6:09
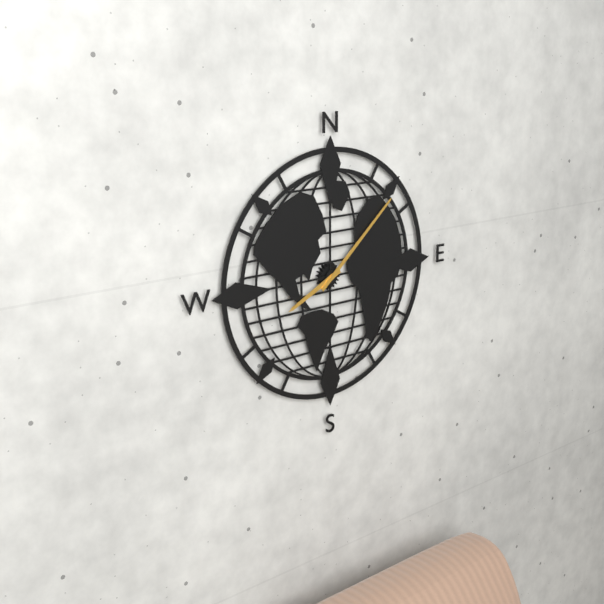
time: 8:08
